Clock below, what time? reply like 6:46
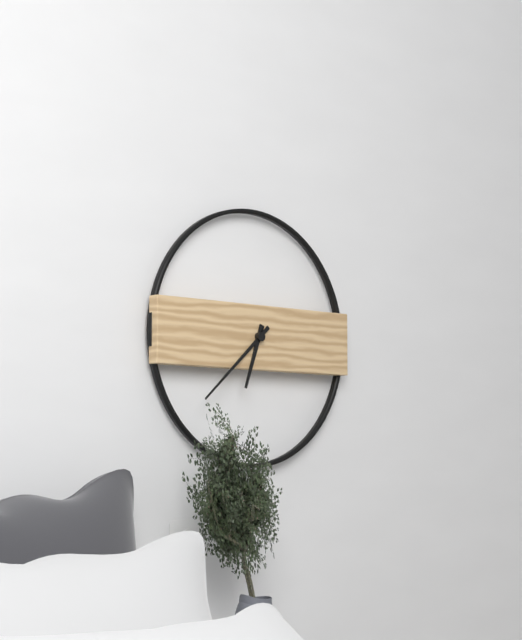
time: 6:38
